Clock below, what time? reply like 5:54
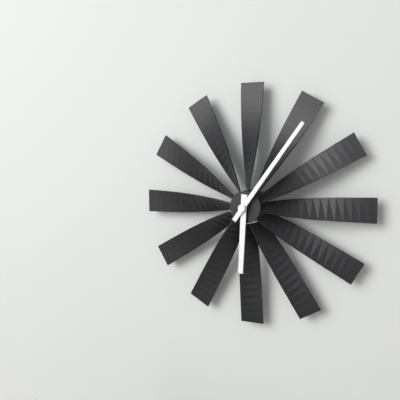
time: 6:06
